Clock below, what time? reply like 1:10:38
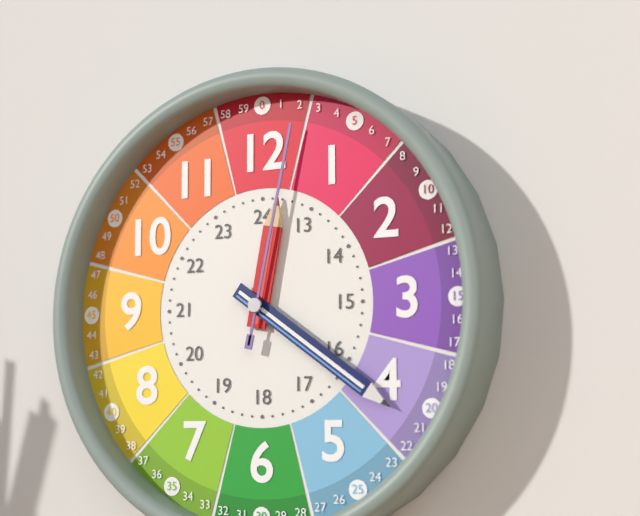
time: 12:21:02
